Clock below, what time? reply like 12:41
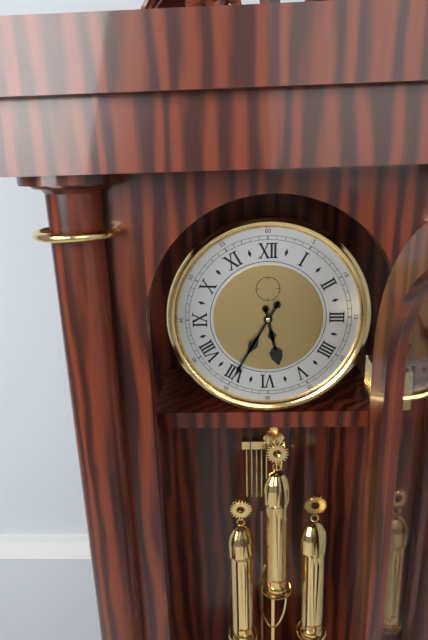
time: 5:35
